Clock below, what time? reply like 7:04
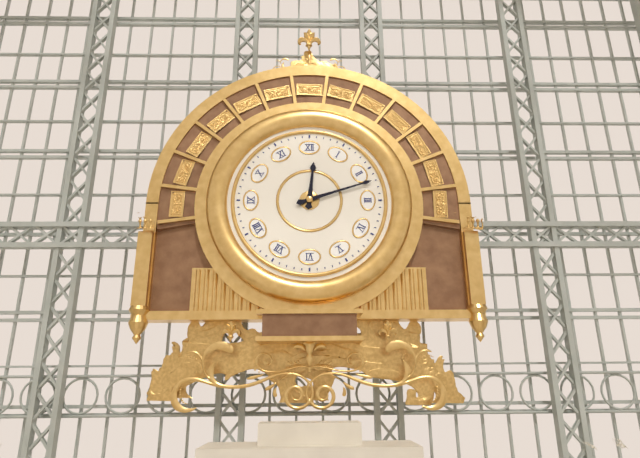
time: 12:12
